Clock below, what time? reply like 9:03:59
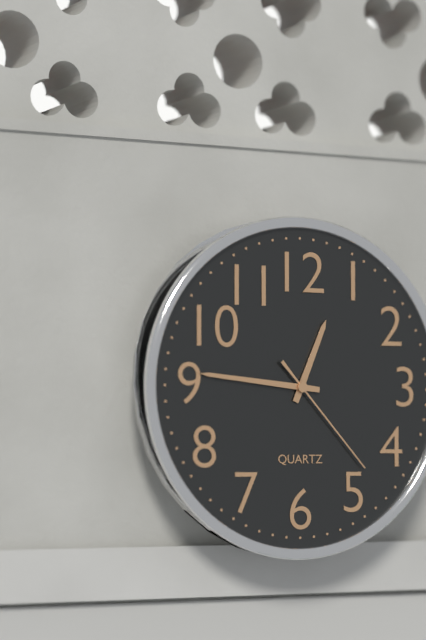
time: 12:46:23
